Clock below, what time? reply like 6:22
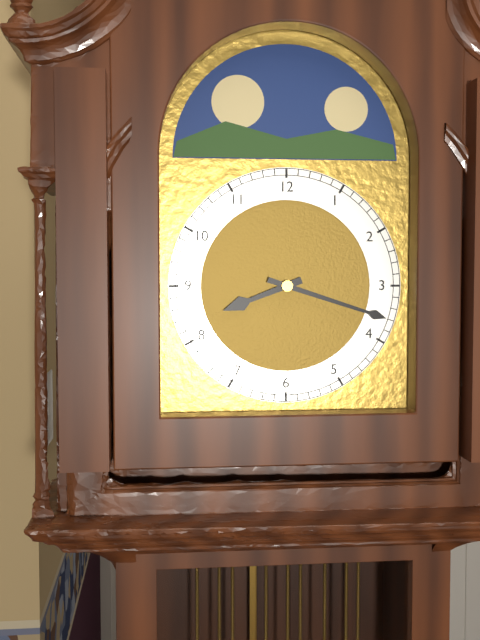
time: 8:18
